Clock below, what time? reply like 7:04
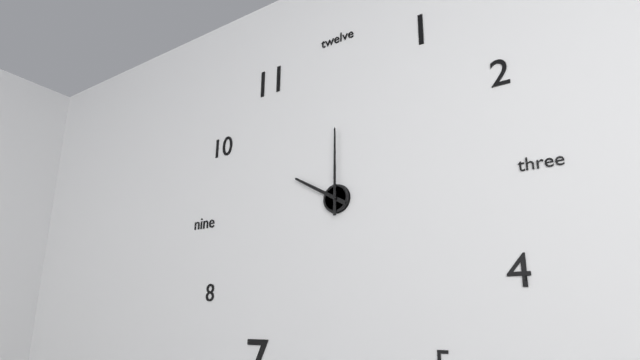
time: 10:00
